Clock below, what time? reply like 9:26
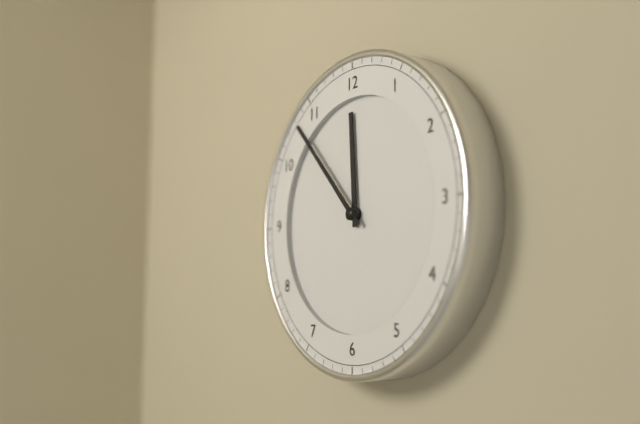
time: 11:53
